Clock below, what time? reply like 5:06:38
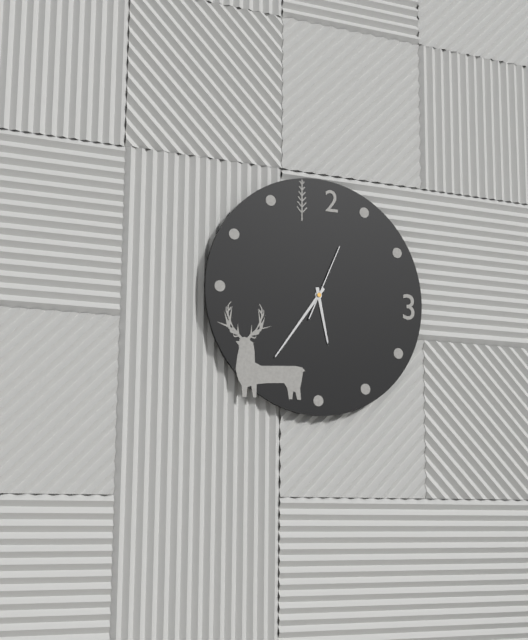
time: 5:36:04
